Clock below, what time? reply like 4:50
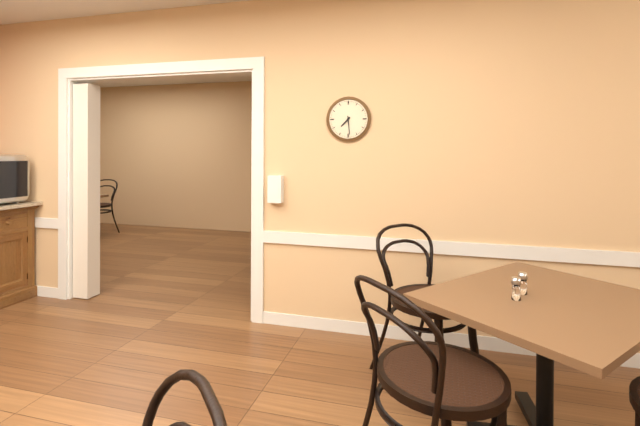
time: 7:29
